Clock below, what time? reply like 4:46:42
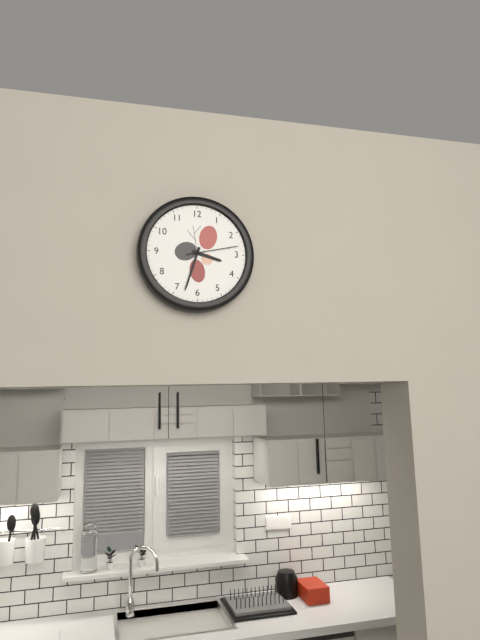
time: 3:33:13
